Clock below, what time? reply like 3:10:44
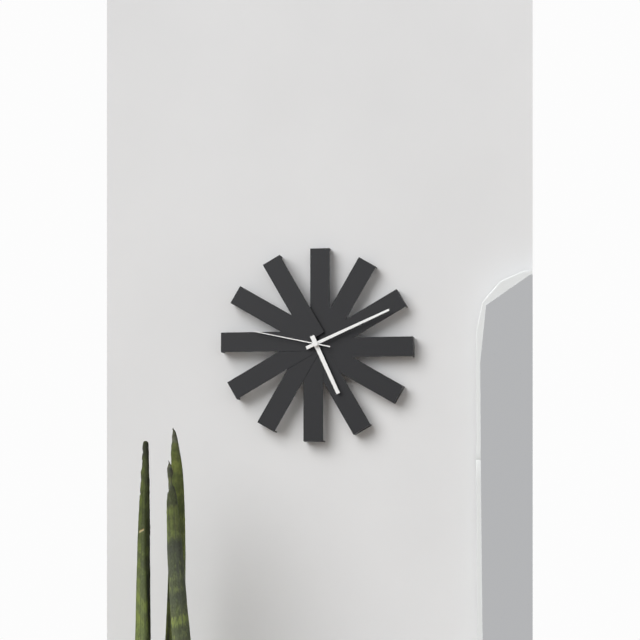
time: 5:11:47
